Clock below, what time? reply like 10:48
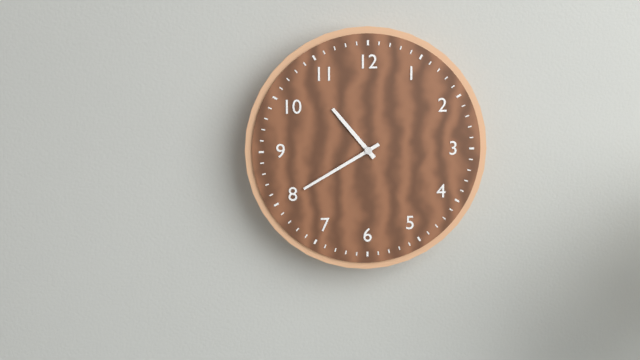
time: 10:40
